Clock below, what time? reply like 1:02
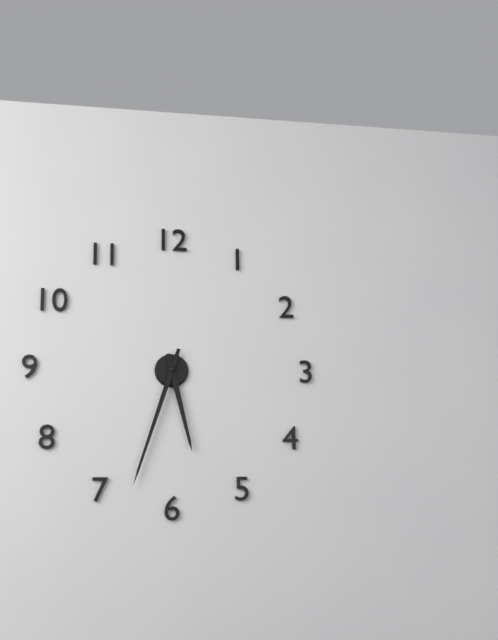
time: 5:33
